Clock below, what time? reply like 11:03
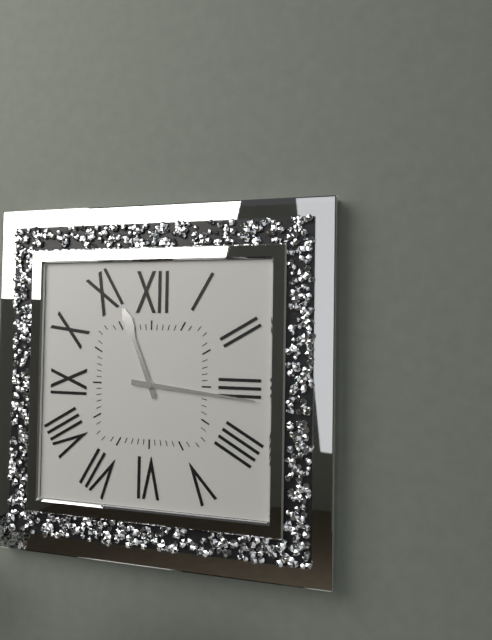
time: 11:16
